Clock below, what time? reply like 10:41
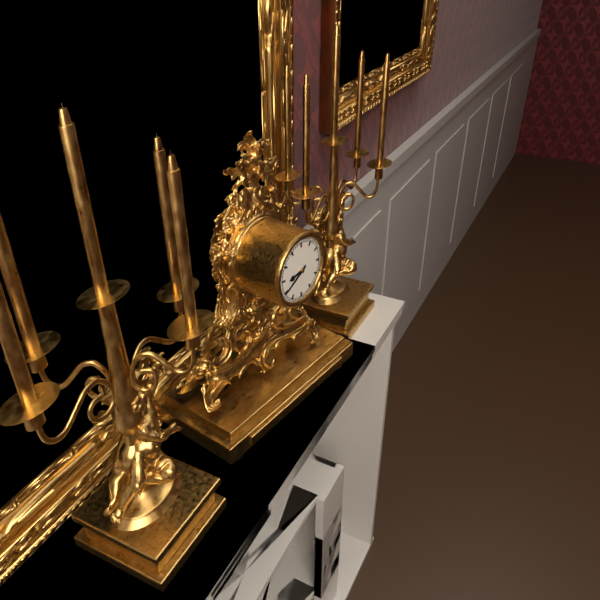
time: 8:40
